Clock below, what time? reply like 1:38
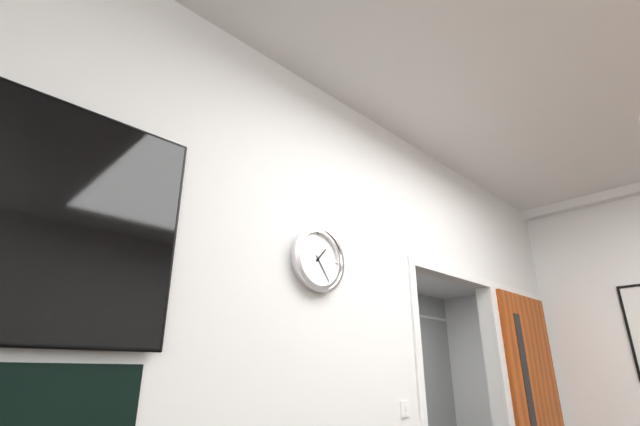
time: 1:24
